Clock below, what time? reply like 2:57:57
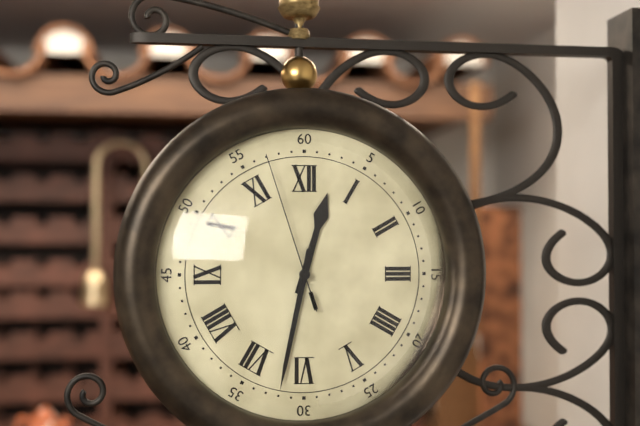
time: 12:32:57
